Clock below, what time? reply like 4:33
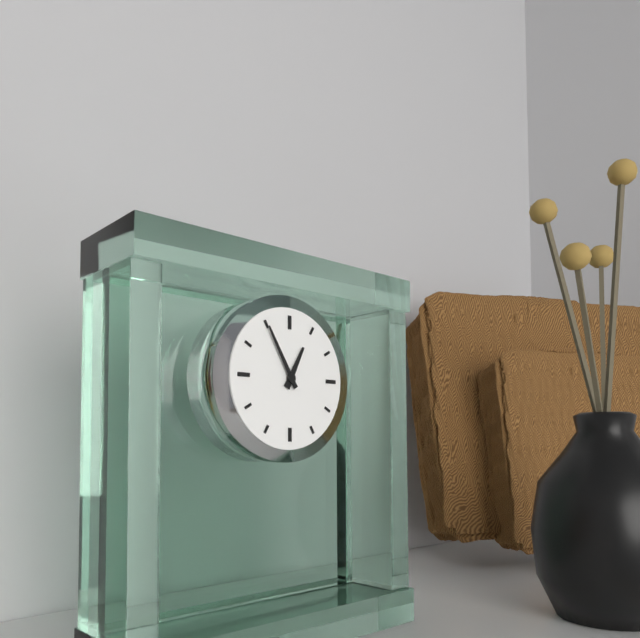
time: 12:55
